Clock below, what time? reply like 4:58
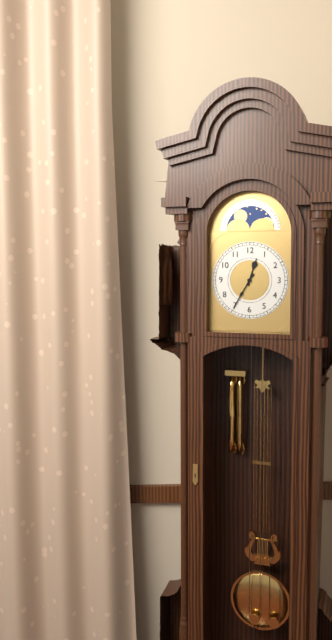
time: 12:35
